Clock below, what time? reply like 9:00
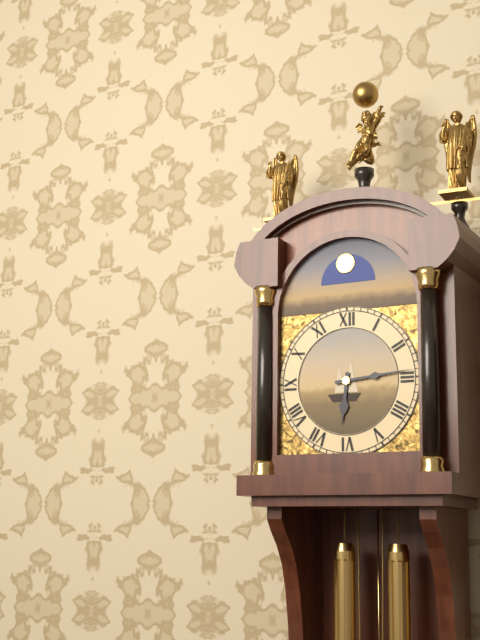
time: 6:14
